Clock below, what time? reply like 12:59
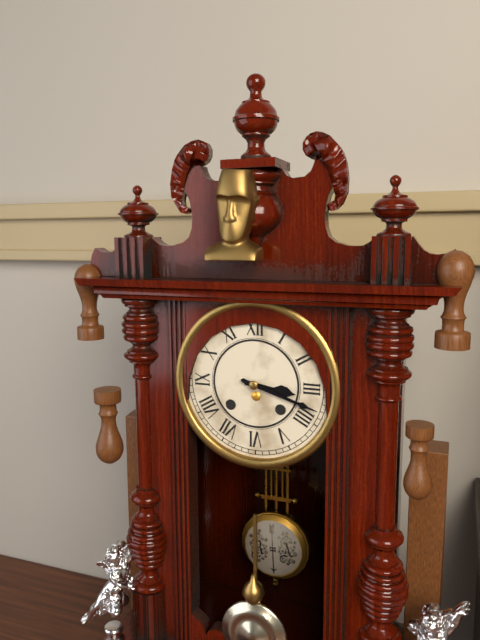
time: 3:18
